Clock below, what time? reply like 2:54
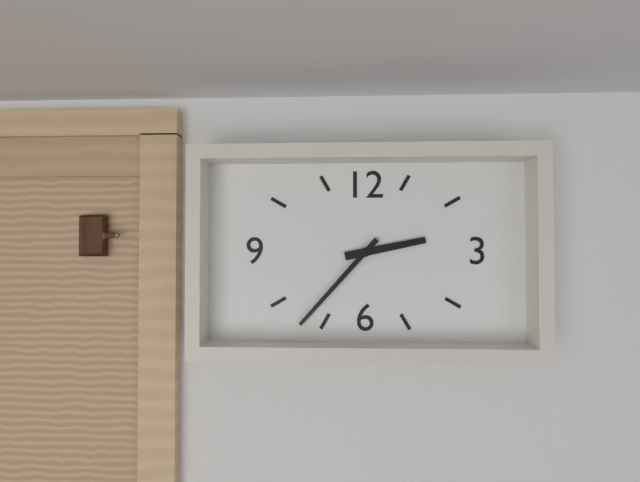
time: 2:37
